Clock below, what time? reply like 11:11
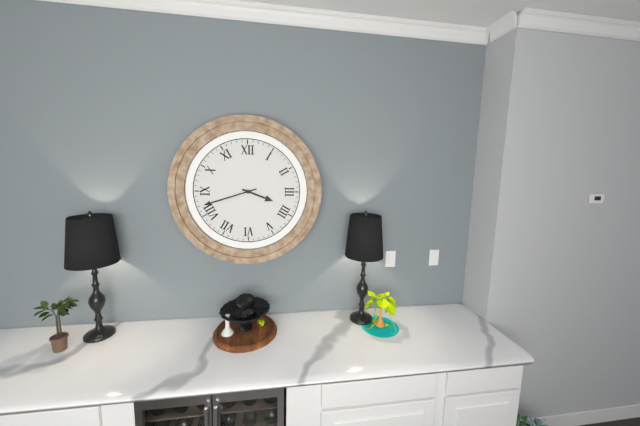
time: 3:42
